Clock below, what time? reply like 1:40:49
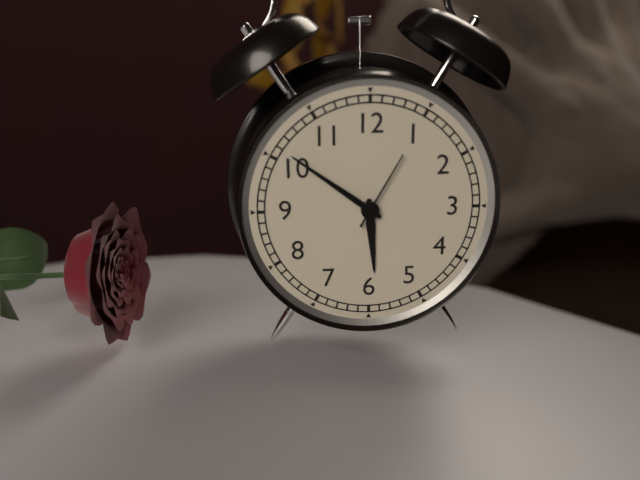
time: 5:51:05
